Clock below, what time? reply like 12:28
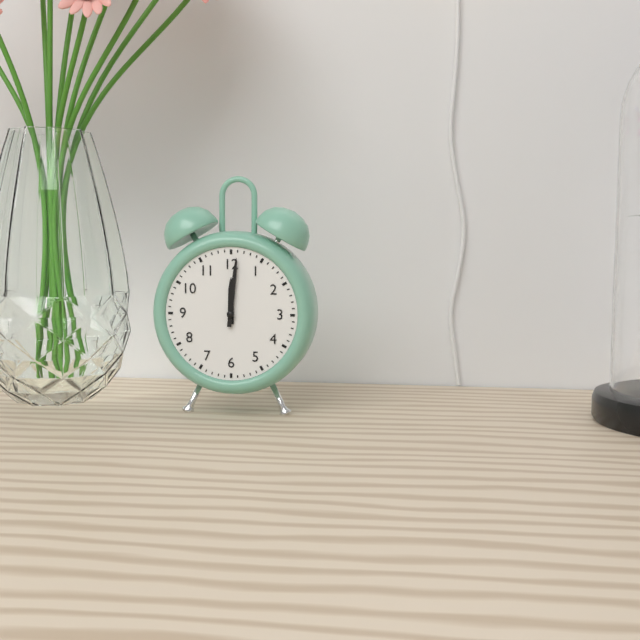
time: 12:01
